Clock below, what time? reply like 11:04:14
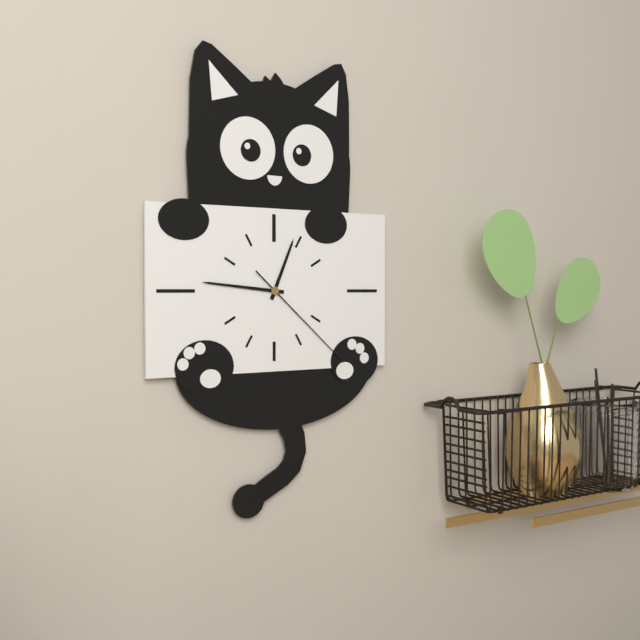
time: 12:46:22
